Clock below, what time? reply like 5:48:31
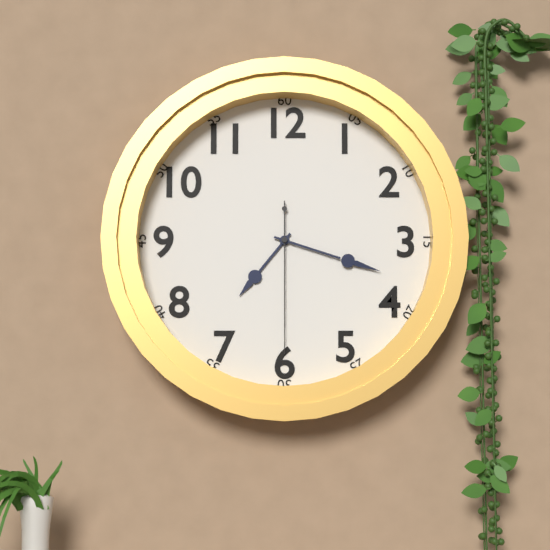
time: 7:18:30
